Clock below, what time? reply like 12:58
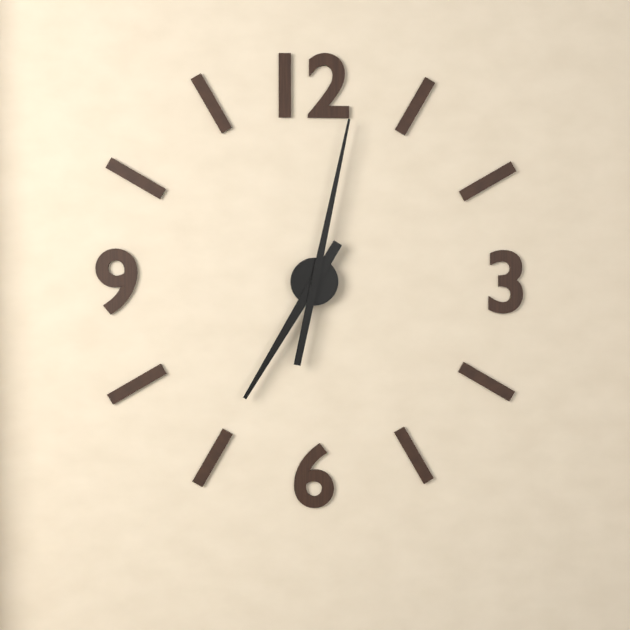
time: 7:02
